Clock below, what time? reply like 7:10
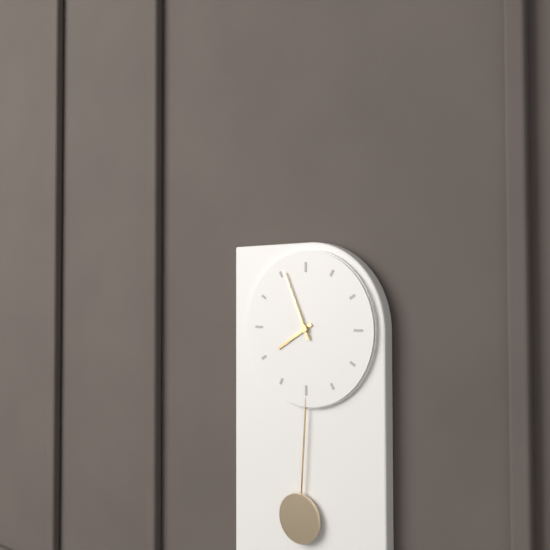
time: 7:56
